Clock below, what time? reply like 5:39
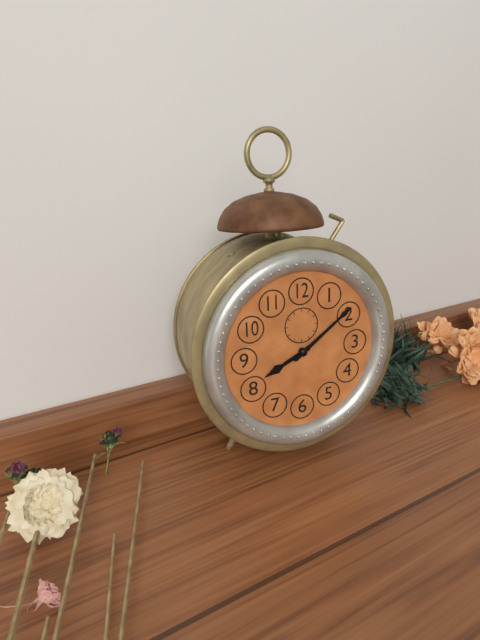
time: 8:09
